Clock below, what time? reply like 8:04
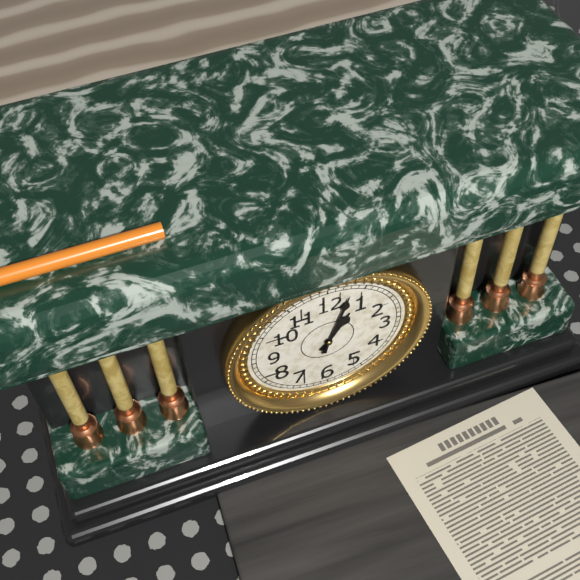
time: 1:03
